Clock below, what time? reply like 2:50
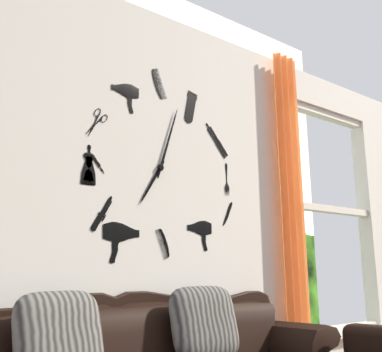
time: 7:03
